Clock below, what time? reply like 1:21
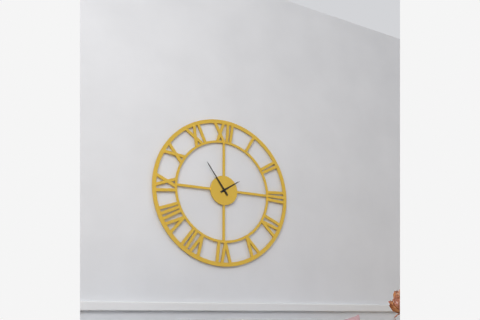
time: 1:54
